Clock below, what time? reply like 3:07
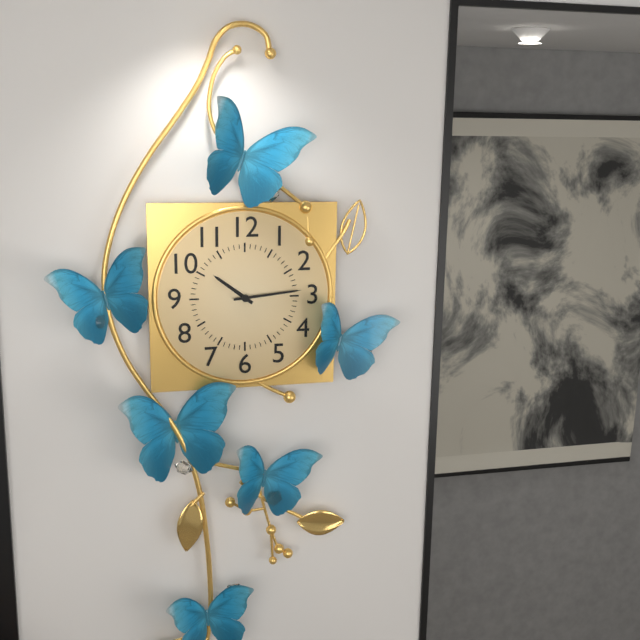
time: 10:14
